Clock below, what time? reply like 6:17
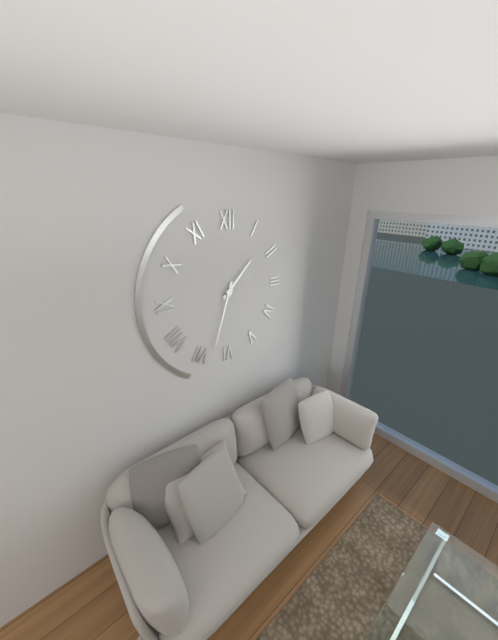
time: 1:33
